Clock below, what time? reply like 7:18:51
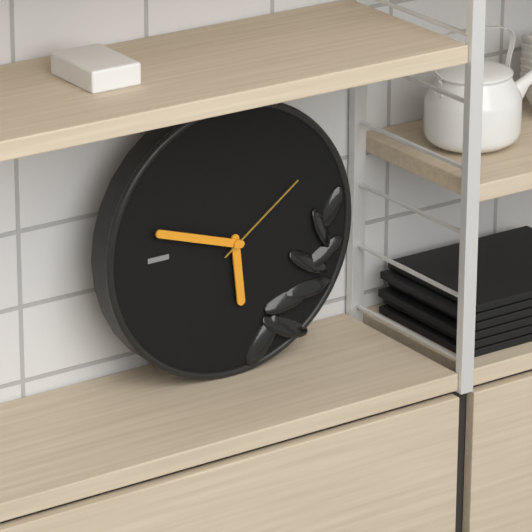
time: 5:48:09
